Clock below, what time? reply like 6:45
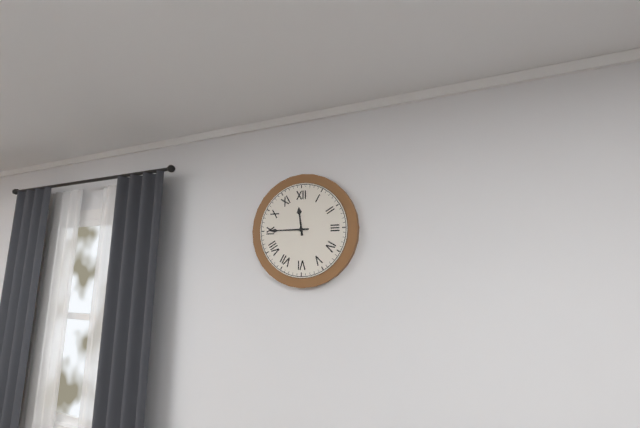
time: 11:45
